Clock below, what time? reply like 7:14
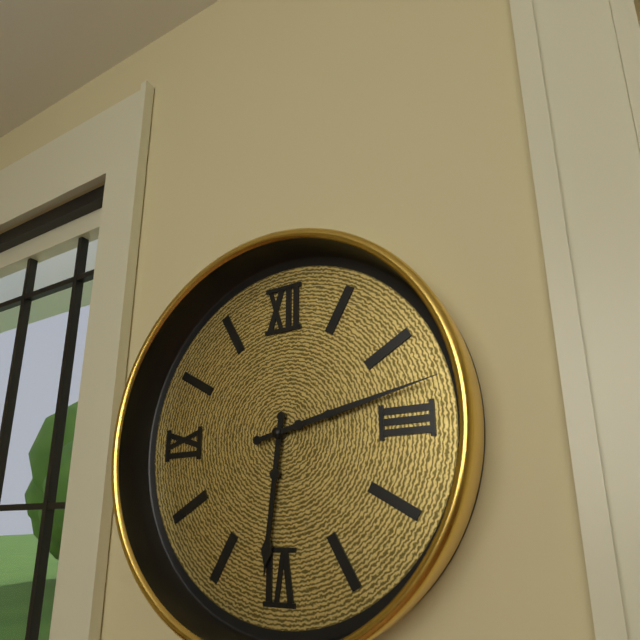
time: 6:13
